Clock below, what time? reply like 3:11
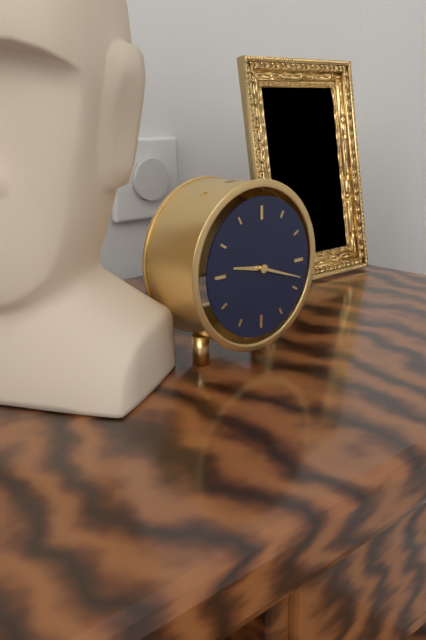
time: 9:18
